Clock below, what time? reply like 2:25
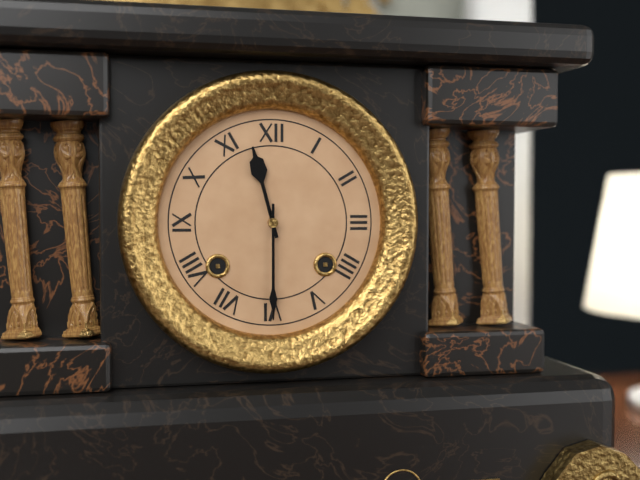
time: 11:30
